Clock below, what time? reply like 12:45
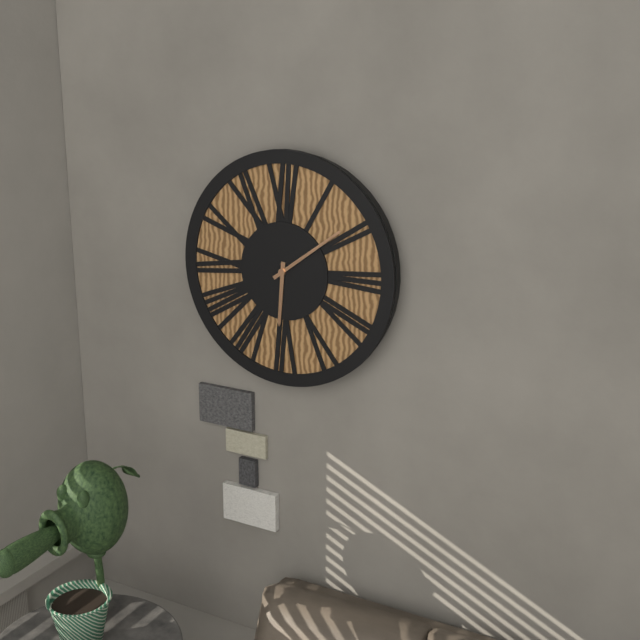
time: 6:09
